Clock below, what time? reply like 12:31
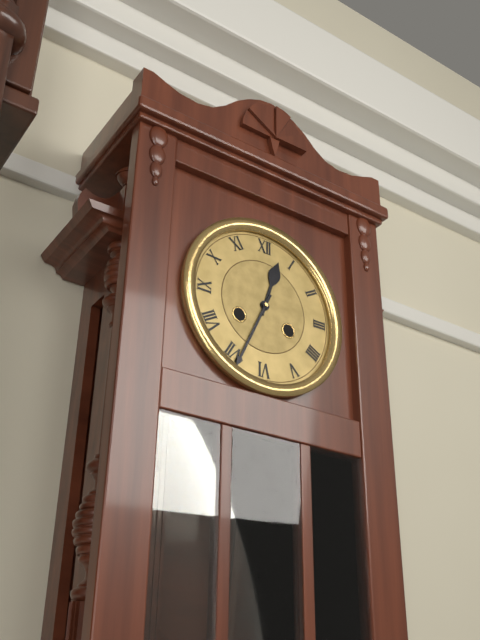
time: 12:34
